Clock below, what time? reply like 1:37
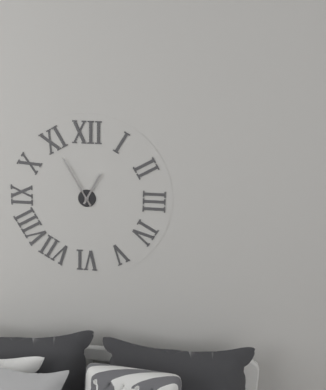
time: 12:55
